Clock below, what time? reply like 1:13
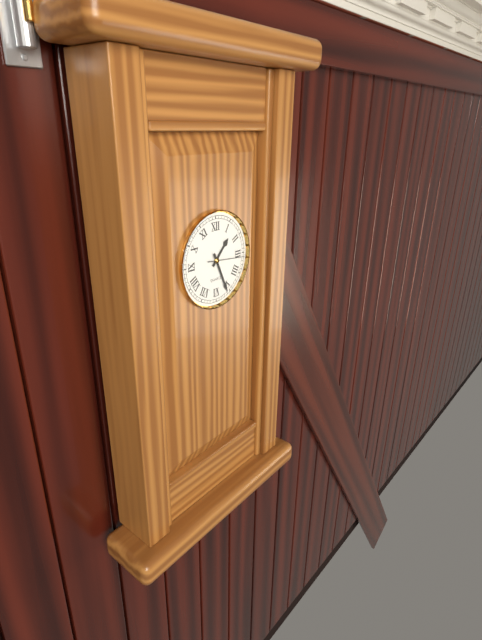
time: 1:26
